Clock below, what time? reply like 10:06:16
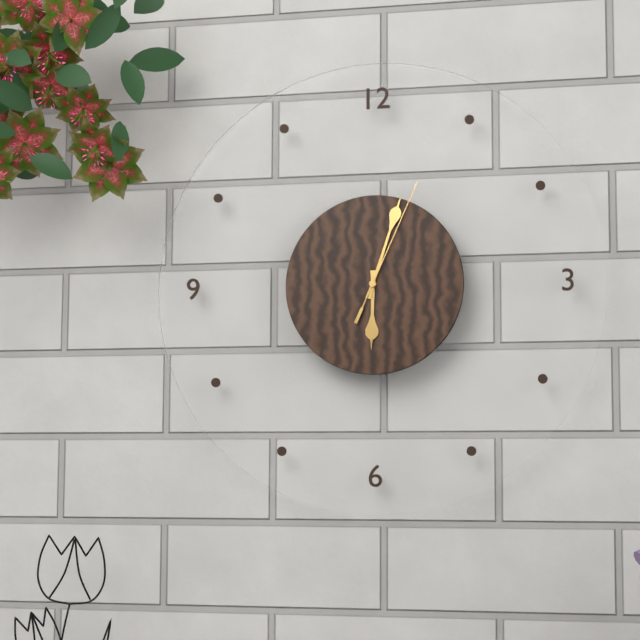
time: 6:03:04
